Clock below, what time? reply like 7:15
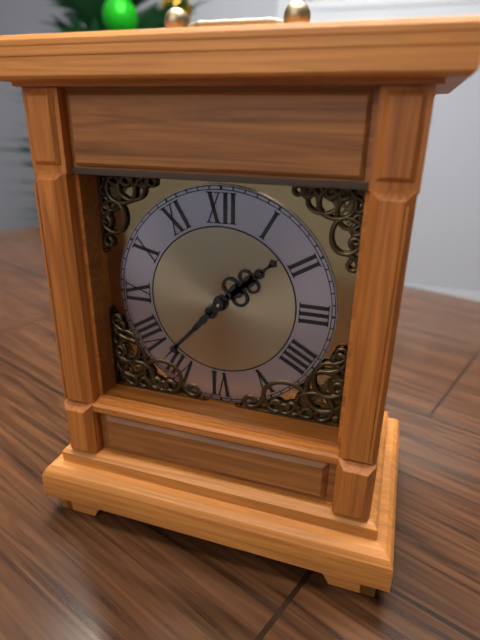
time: 1:37
